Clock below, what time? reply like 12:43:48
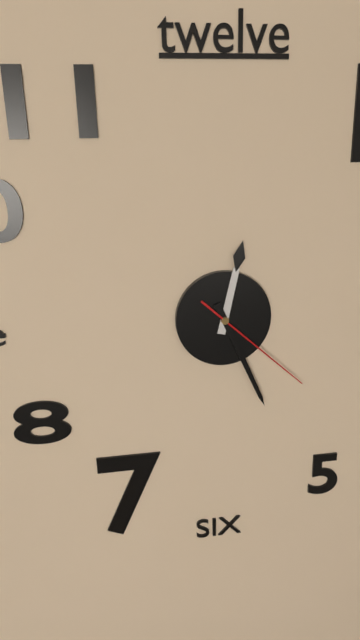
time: 12:26:22
